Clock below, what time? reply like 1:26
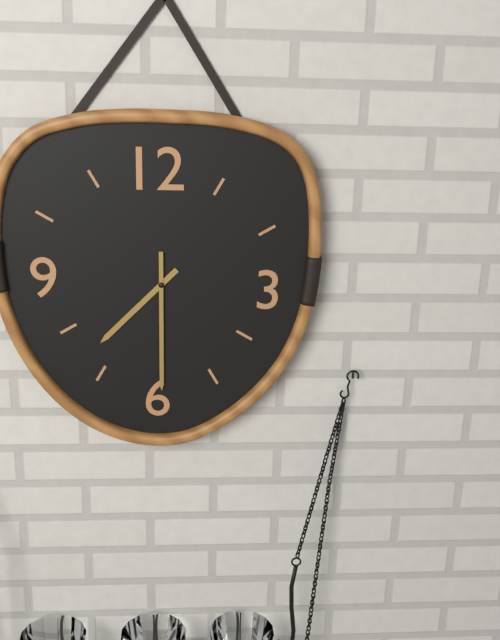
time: 7:30
